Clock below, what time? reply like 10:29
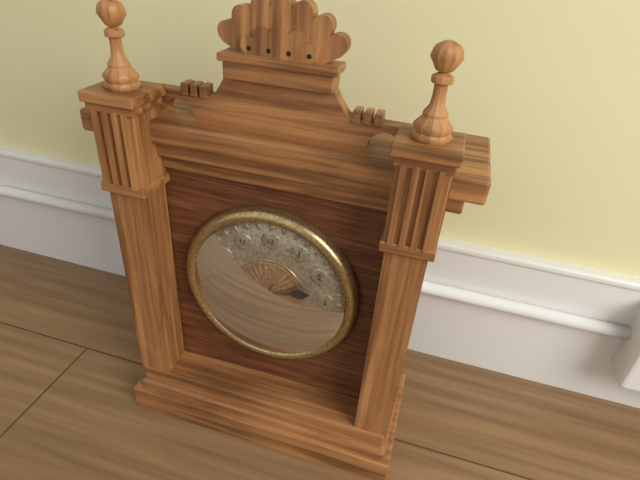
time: 2:34
